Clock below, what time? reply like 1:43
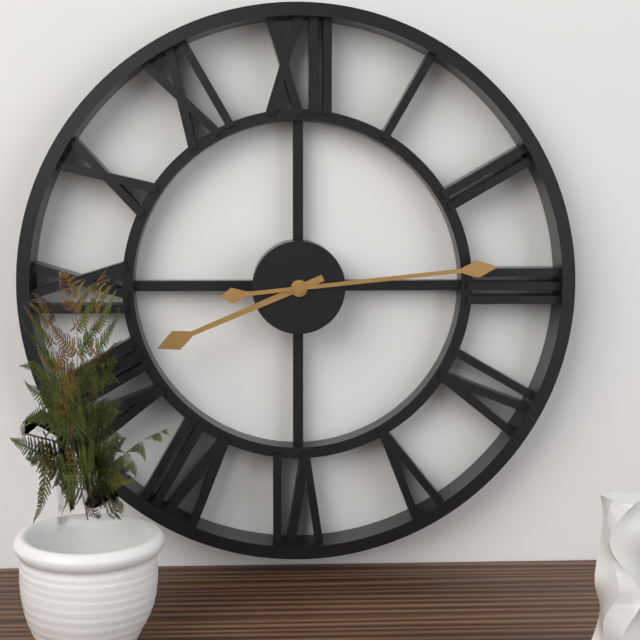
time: 8:14
